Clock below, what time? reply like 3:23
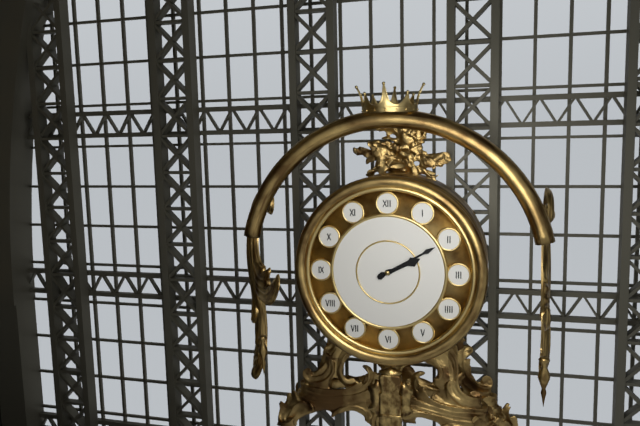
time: 2:10
